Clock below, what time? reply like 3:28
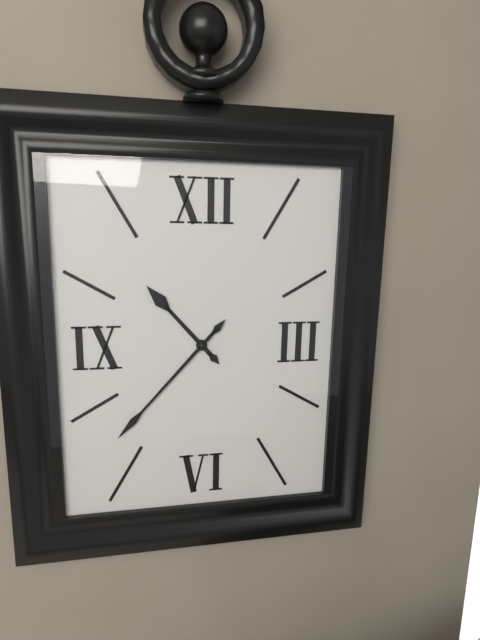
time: 10:37
